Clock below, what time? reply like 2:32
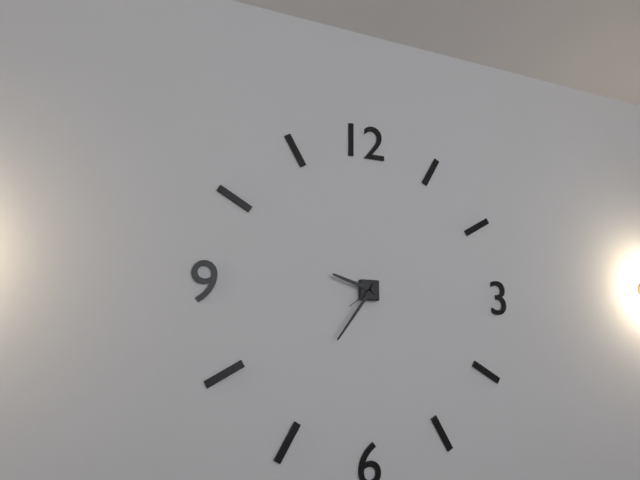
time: 9:36
